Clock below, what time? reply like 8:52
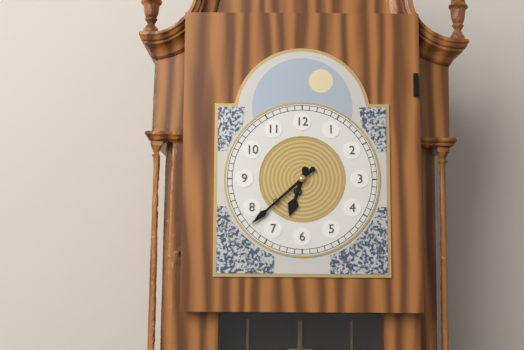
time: 6:38
